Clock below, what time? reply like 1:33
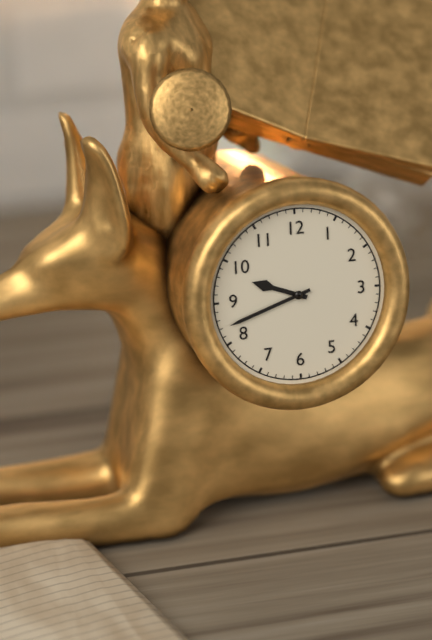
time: 9:42
